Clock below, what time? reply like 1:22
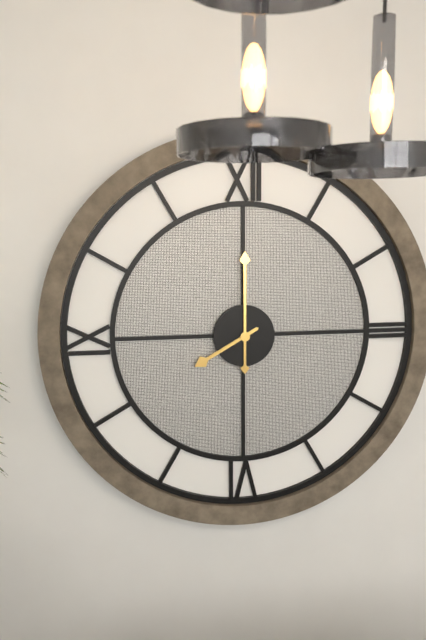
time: 8:00
